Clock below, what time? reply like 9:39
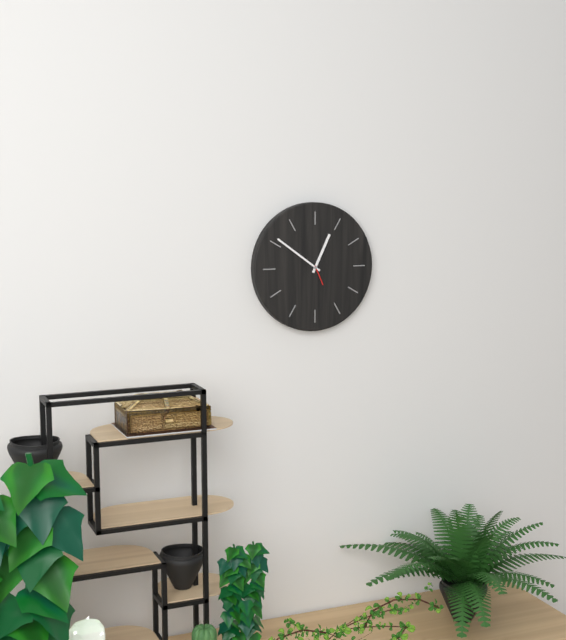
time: 12:51
